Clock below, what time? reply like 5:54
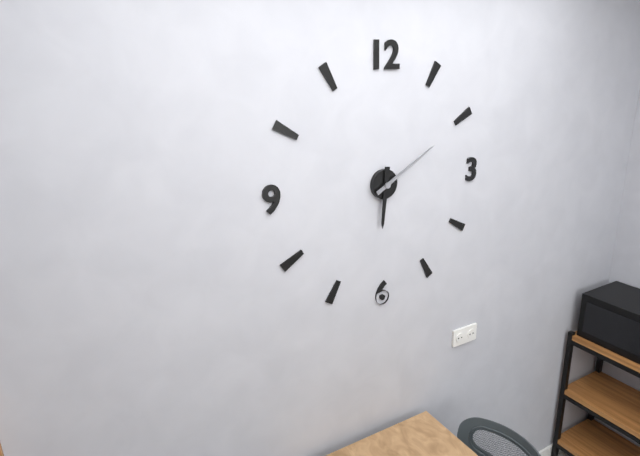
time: 6:10
